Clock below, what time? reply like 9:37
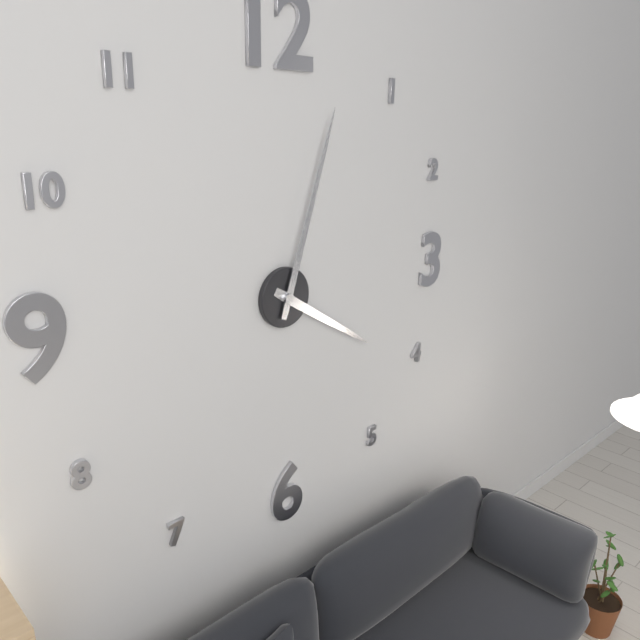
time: 4:03
